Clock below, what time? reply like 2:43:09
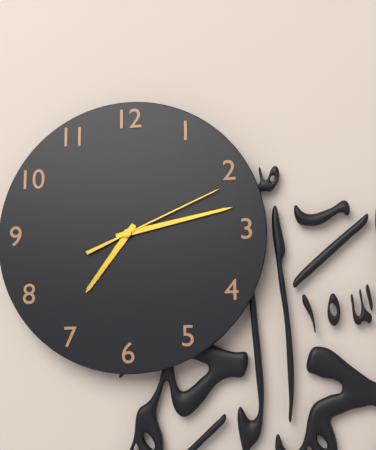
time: 7:13:11
